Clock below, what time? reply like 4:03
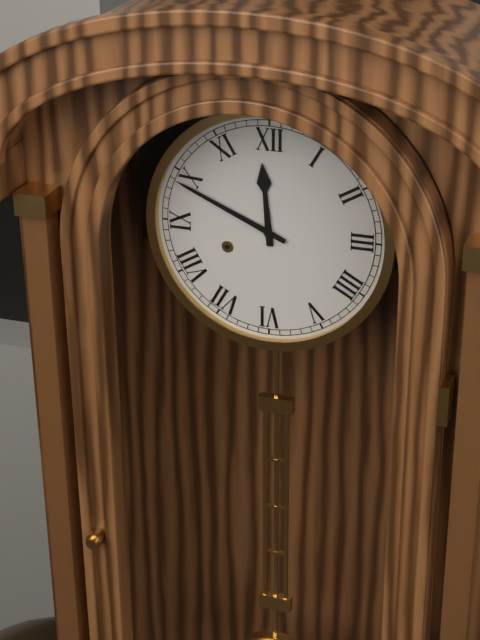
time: 11:49
